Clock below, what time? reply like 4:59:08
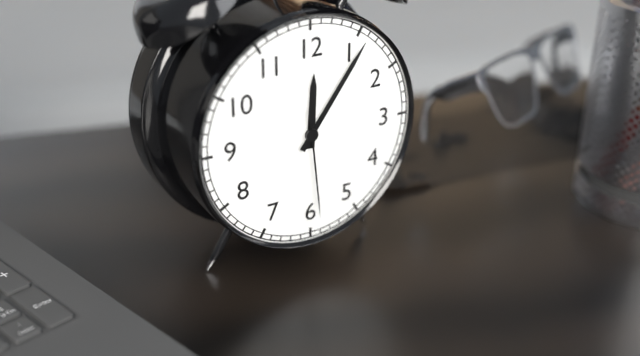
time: 12:06:29
